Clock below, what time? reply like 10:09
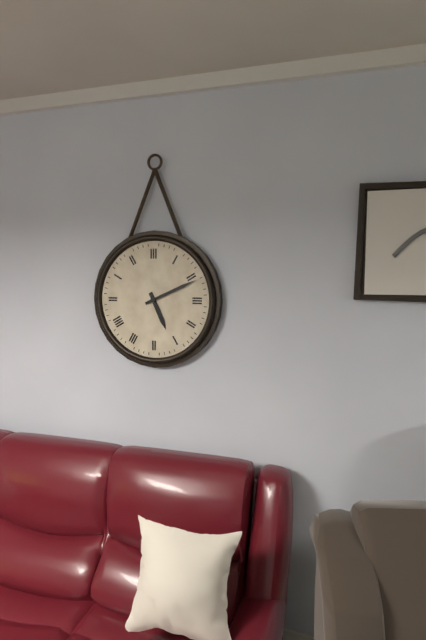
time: 5:11
